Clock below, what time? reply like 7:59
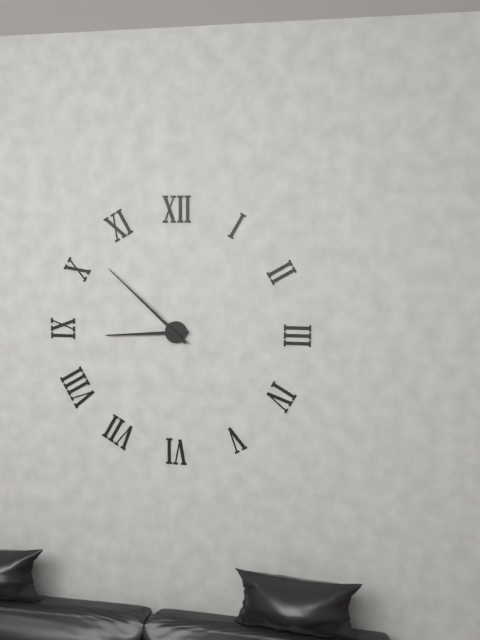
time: 8:52
